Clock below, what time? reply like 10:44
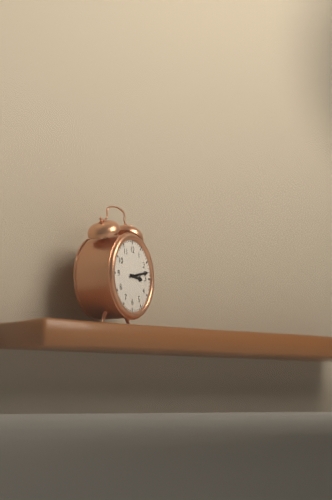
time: 3:13
